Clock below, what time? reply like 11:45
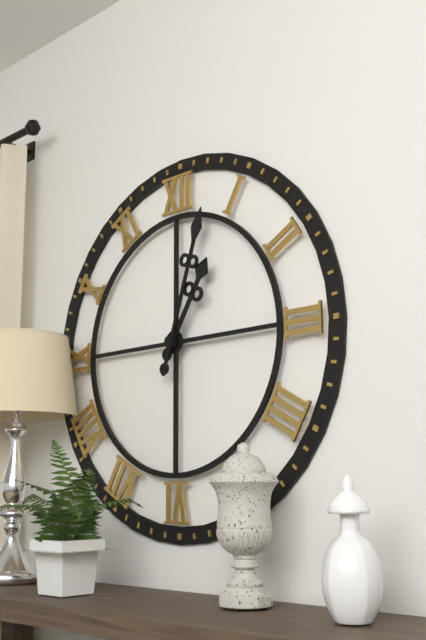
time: 1:03
